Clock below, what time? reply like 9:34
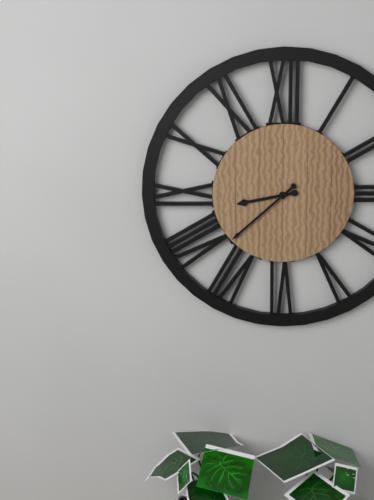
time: 8:38
